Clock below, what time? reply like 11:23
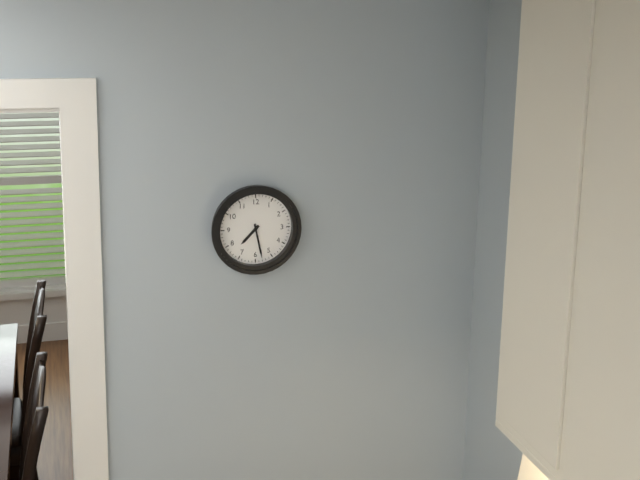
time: 7:28
